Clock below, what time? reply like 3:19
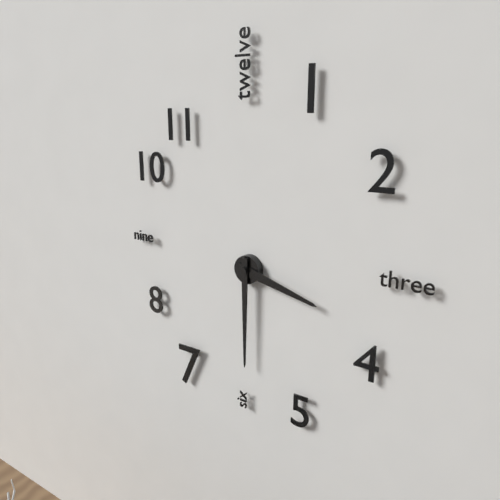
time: 3:30
